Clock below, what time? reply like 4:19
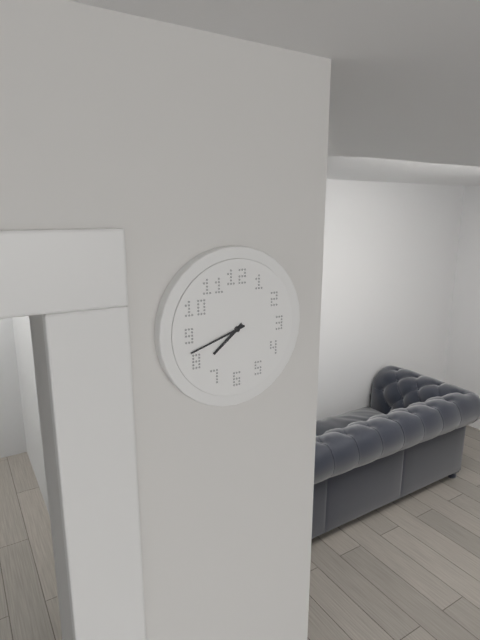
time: 7:42
